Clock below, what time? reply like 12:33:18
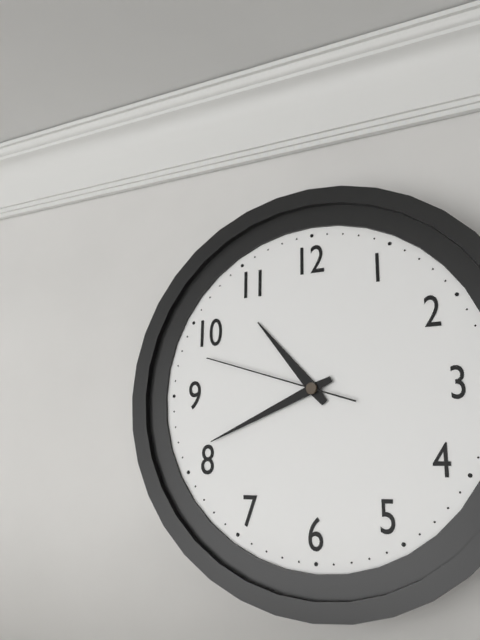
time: 10:41:48
